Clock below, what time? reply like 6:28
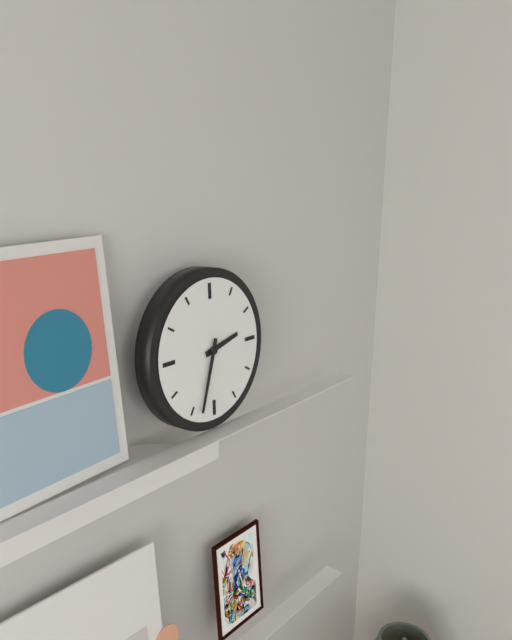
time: 2:33
